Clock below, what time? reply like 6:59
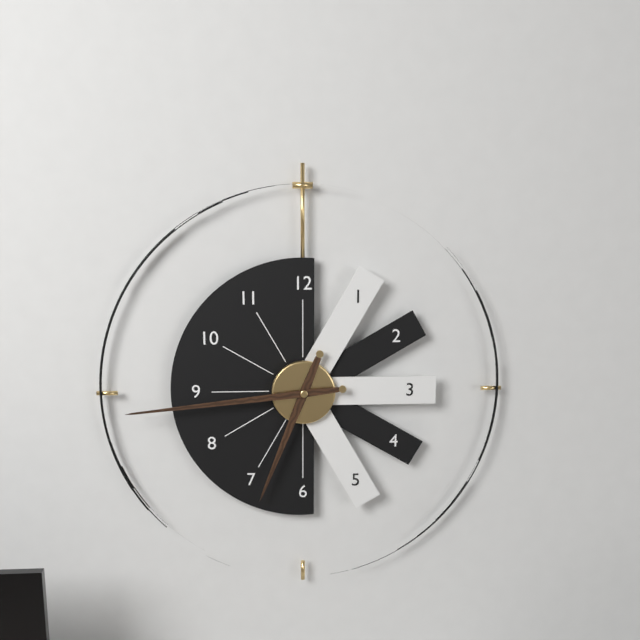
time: 6:44
